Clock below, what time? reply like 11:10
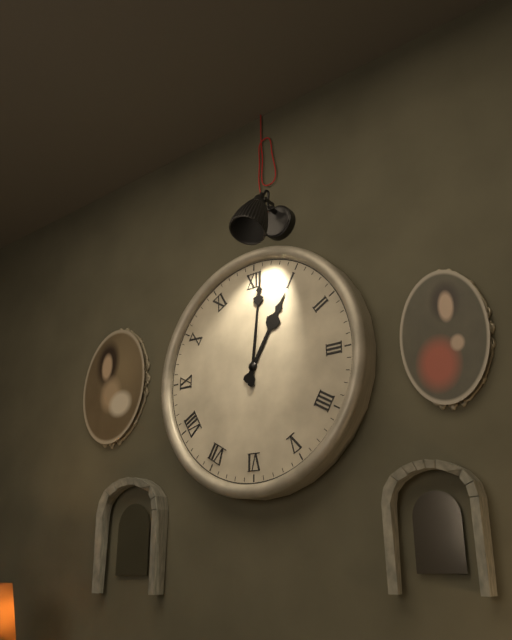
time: 1:01
